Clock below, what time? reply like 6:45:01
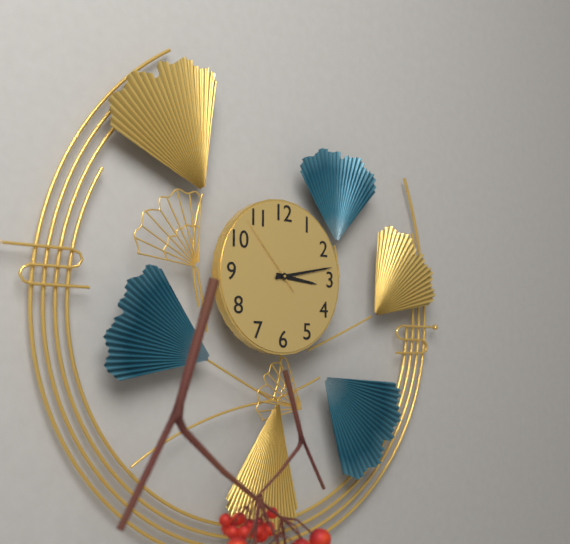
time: 3:13:53
